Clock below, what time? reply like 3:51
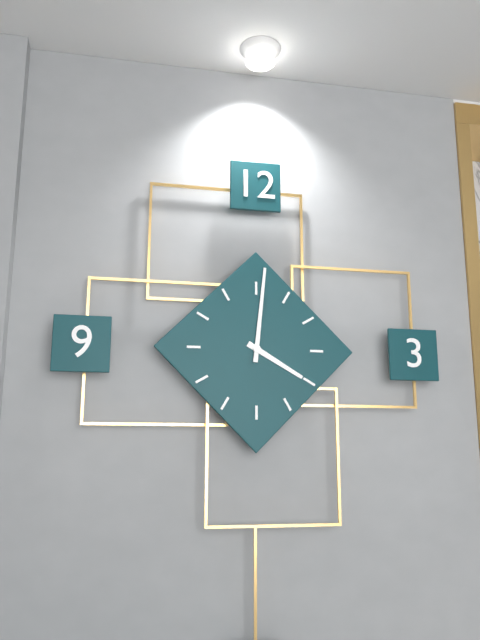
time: 4:01
